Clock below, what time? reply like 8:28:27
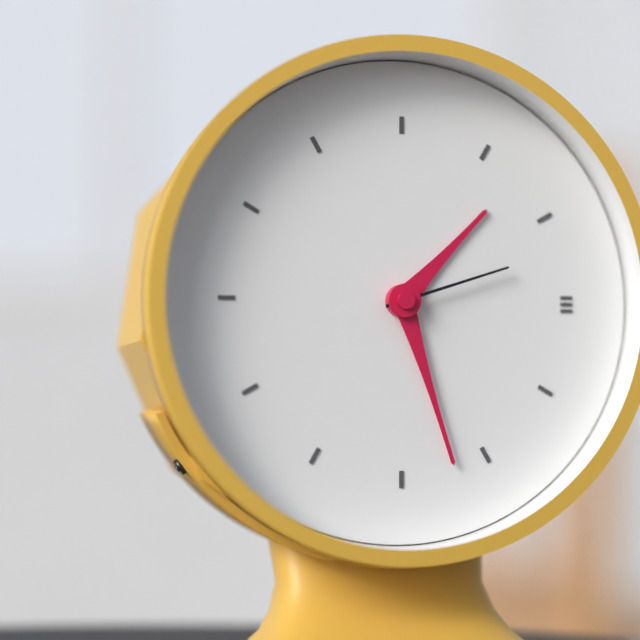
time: 1:27:12
